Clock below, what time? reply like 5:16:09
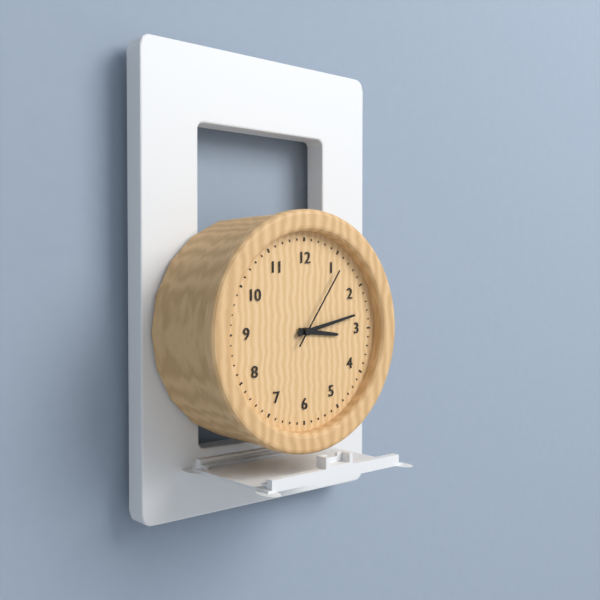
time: 3:13:06
